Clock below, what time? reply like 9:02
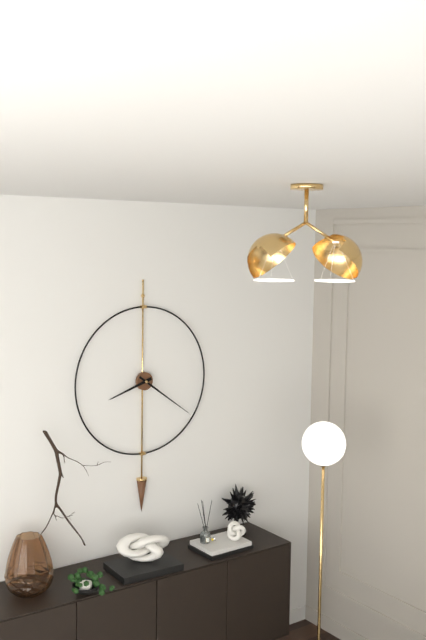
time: 8:21
